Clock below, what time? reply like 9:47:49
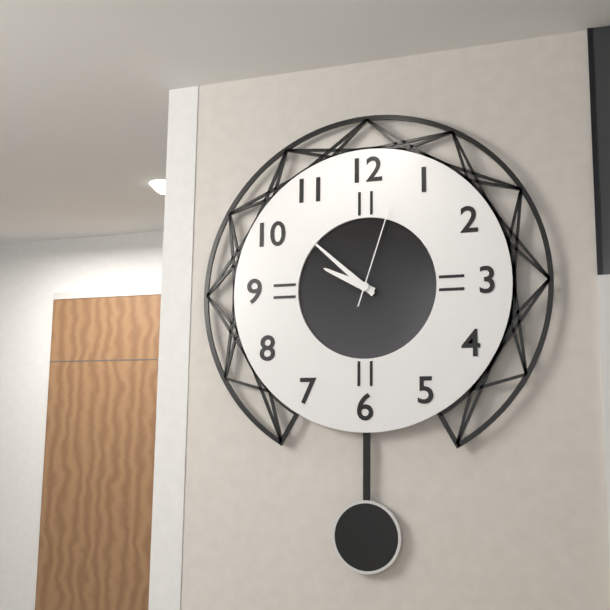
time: 9:52:03
